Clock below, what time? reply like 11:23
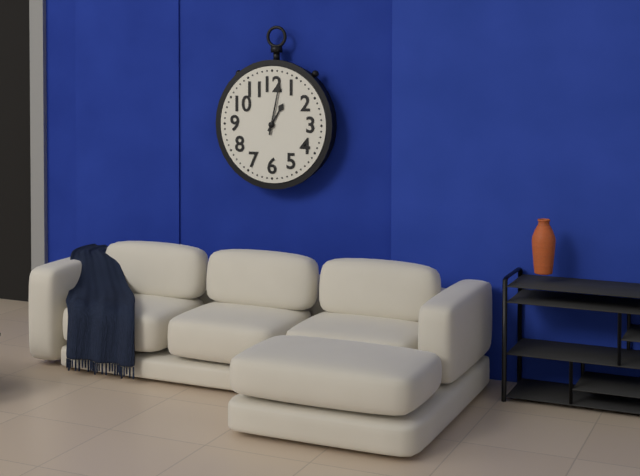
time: 1:02
